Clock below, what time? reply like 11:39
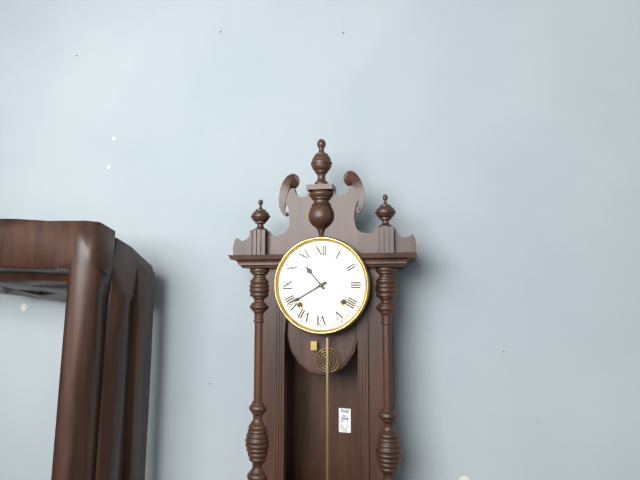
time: 10:40
